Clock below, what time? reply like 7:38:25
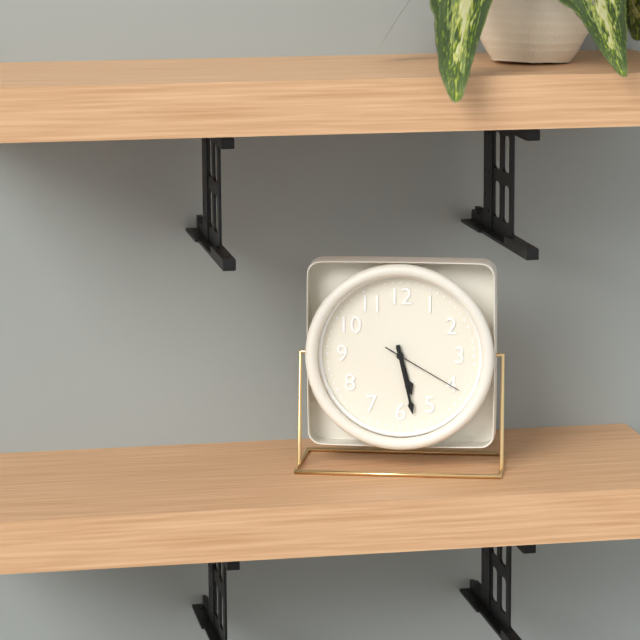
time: 5:28:20
